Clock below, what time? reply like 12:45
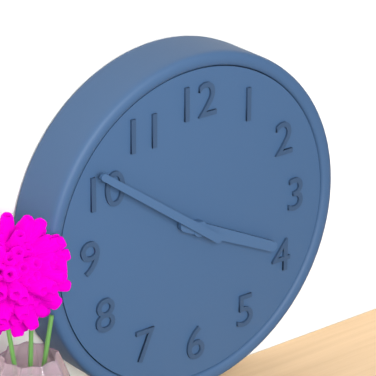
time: 3:51
